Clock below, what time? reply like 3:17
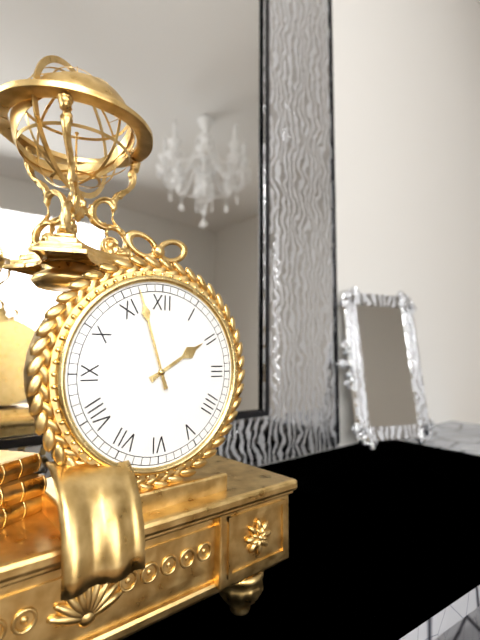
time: 1:57
